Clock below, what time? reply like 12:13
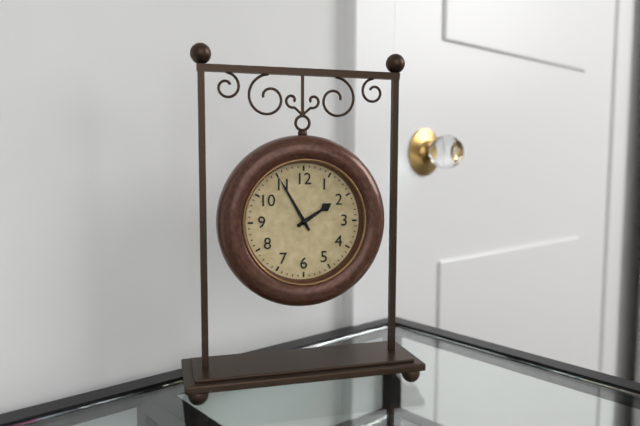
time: 1:55
